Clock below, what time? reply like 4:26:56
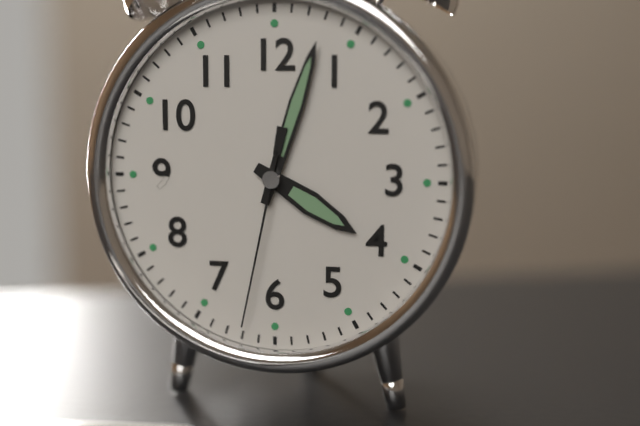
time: 4:03:32
